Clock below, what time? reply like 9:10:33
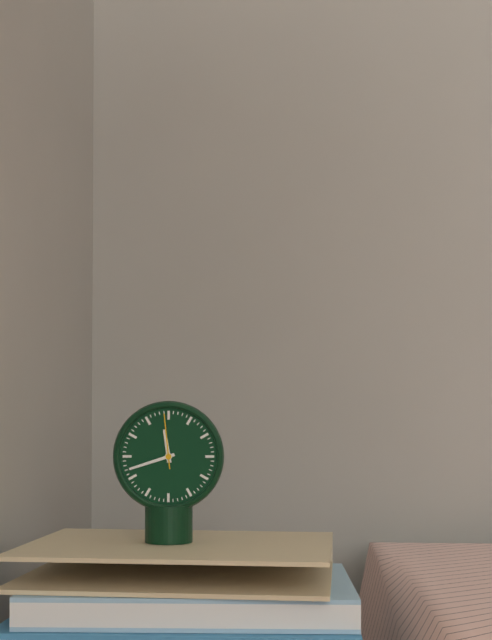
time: 11:42:59
